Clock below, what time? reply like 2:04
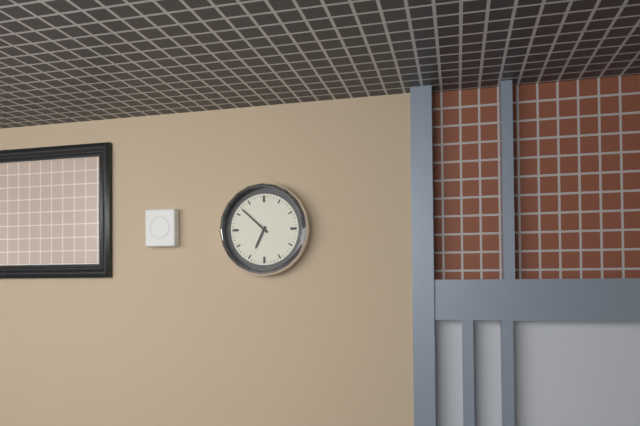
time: 6:52
